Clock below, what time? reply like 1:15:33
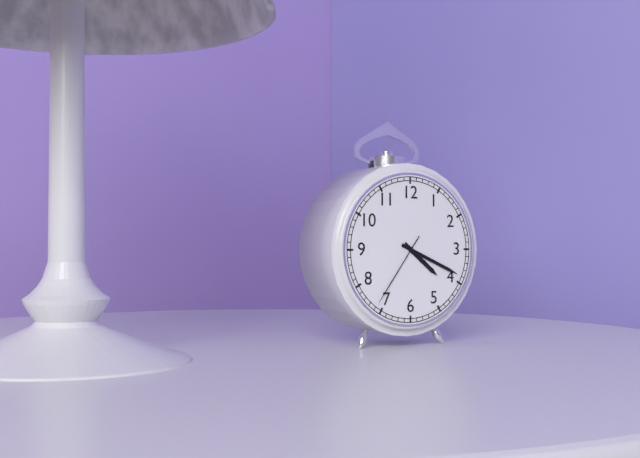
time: 4:19:36
